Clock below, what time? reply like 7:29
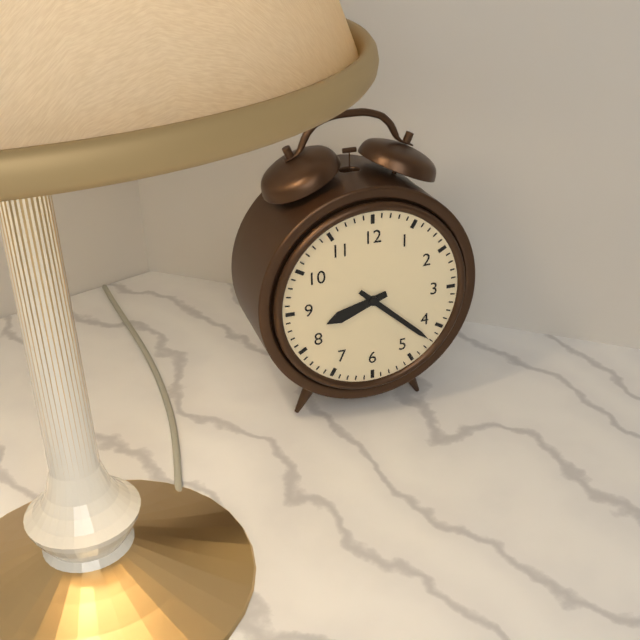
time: 8:22
